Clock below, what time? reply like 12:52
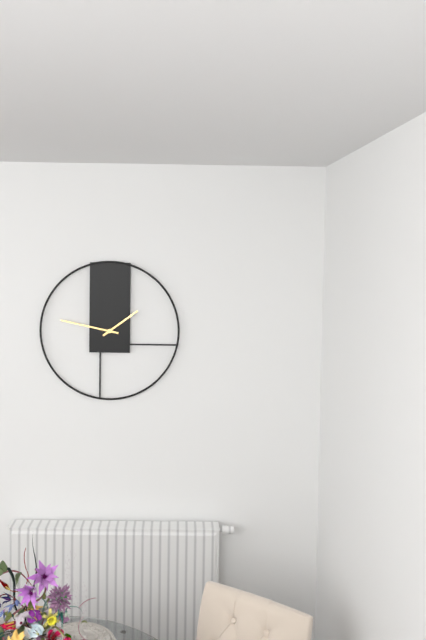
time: 1:47
